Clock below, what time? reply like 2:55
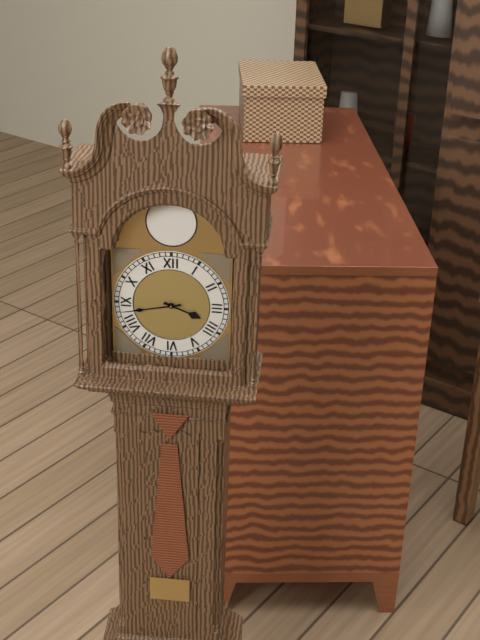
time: 3:43
